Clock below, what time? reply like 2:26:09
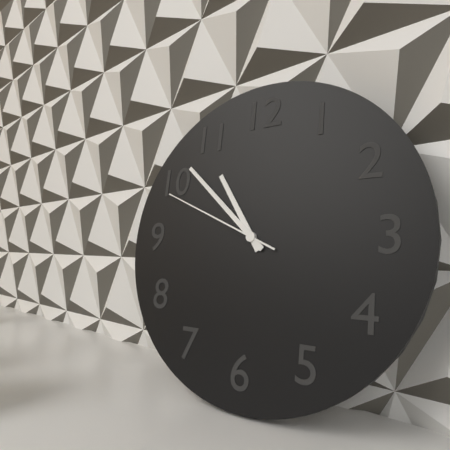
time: 10:52:49
